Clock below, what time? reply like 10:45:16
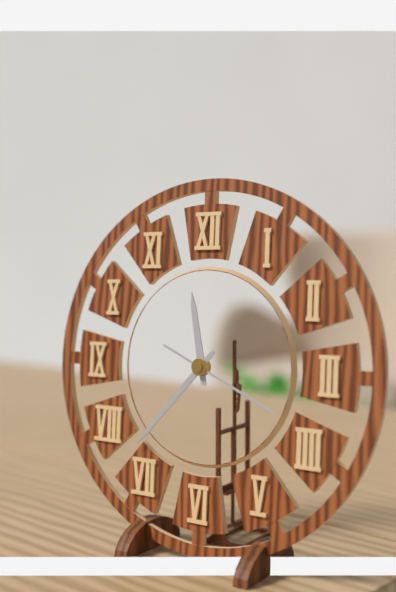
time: 11:37:19
